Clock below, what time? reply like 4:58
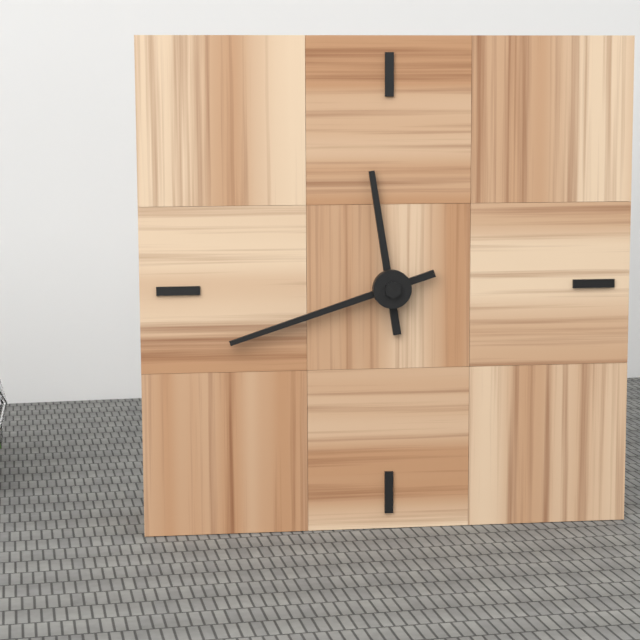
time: 11:42
